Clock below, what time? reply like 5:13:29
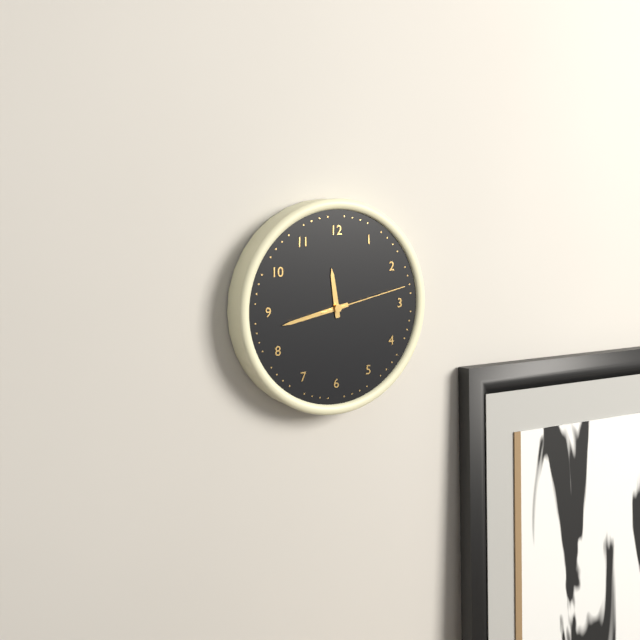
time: 11:43:13
